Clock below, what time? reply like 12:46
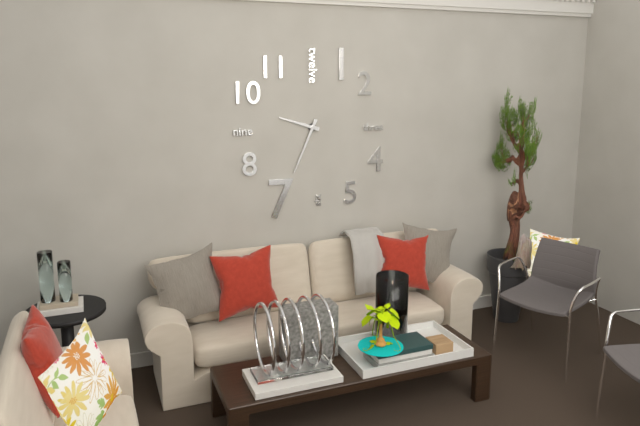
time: 9:34
